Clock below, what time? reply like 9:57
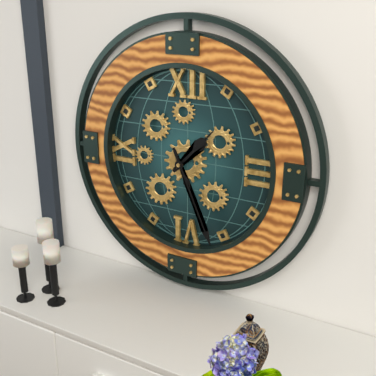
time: 1:26
